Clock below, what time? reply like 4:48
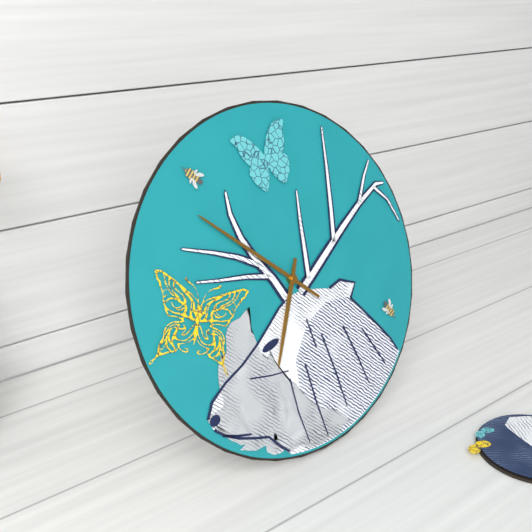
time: 6:52
